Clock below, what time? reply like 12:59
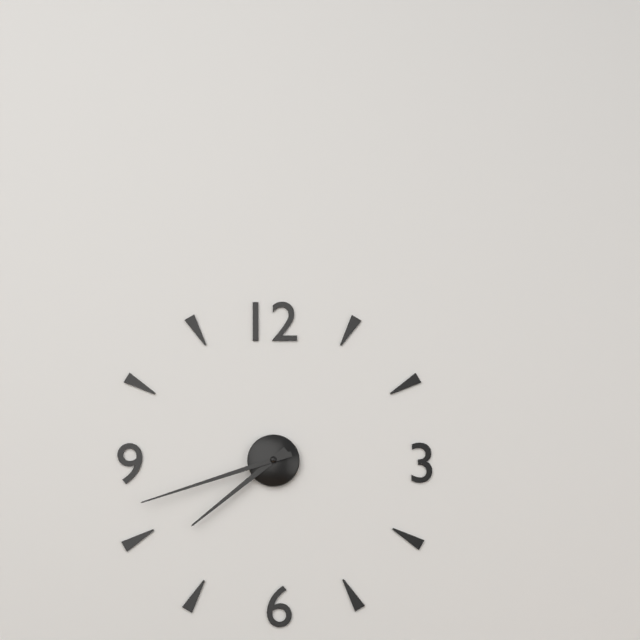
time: 7:42
